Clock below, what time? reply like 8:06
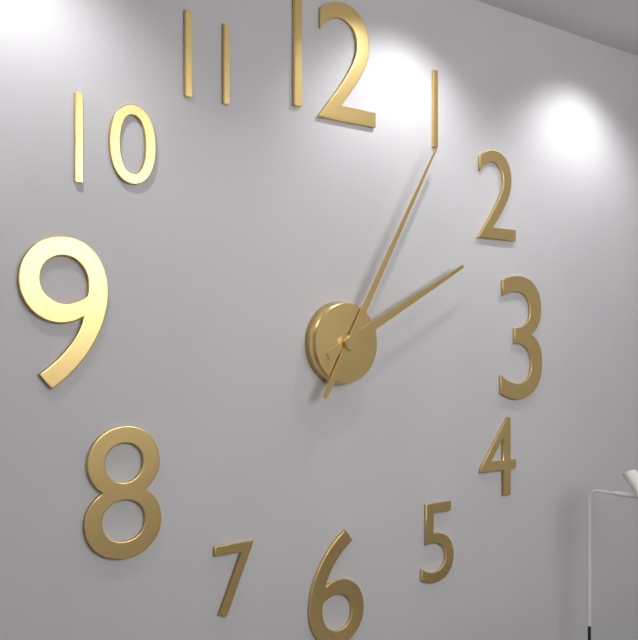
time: 2:05
